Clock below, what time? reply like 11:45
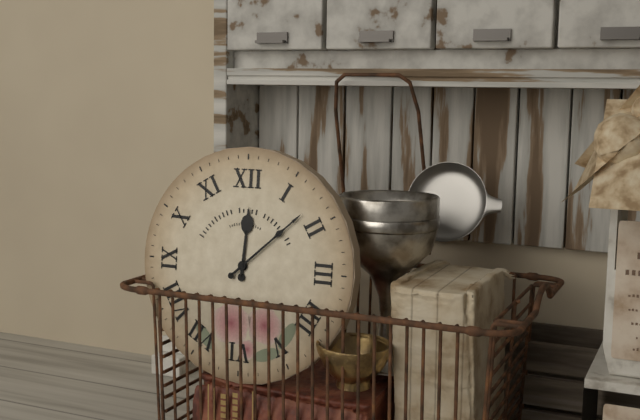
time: 12:08
